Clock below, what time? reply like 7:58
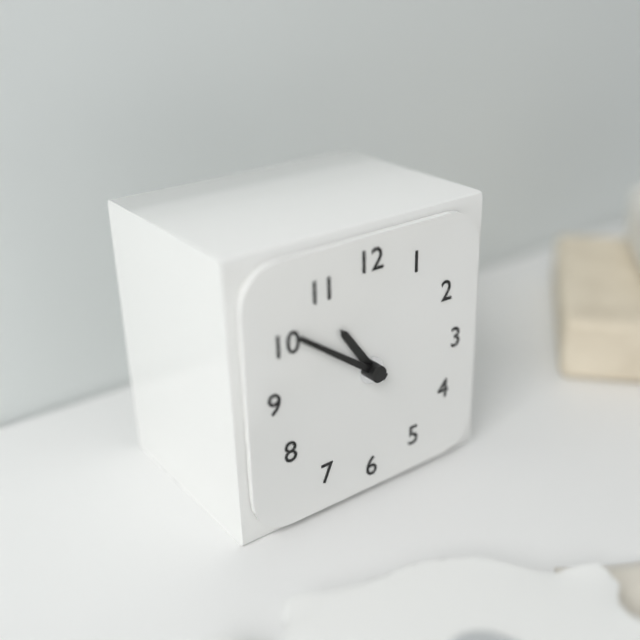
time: 10:51
